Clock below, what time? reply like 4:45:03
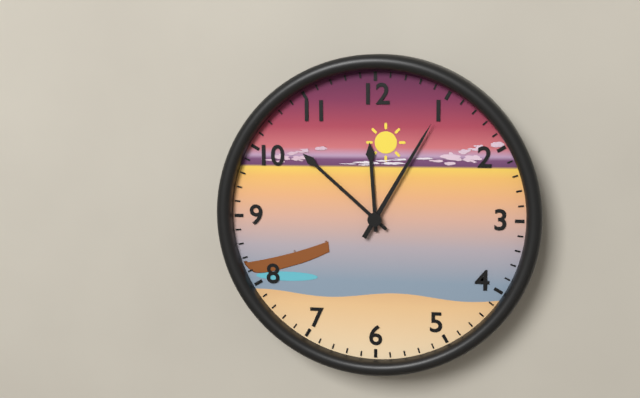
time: 11:52:05
